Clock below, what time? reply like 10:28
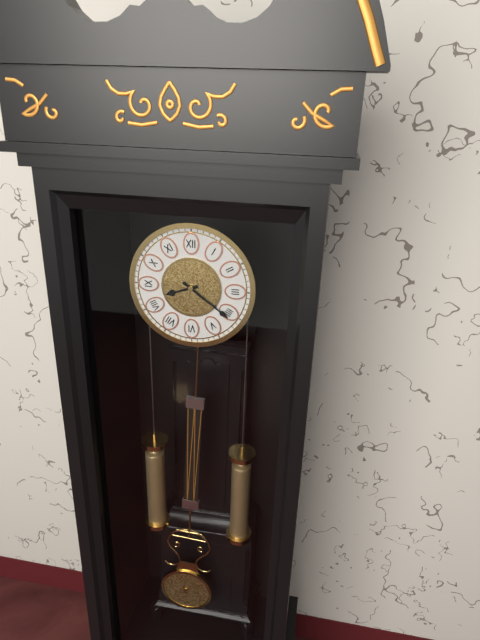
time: 8:21
